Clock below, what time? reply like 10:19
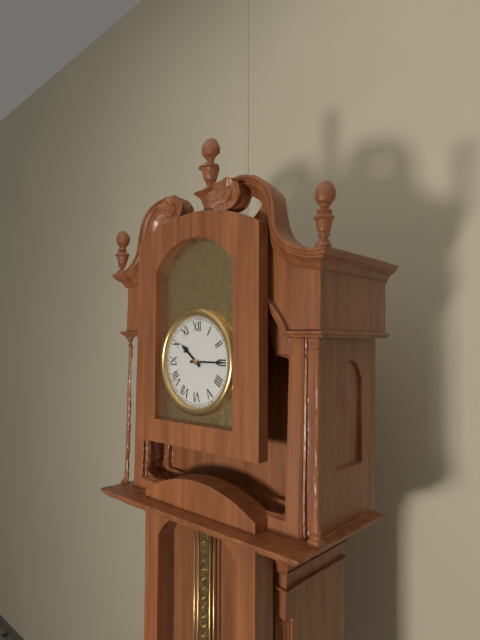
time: 10:15
